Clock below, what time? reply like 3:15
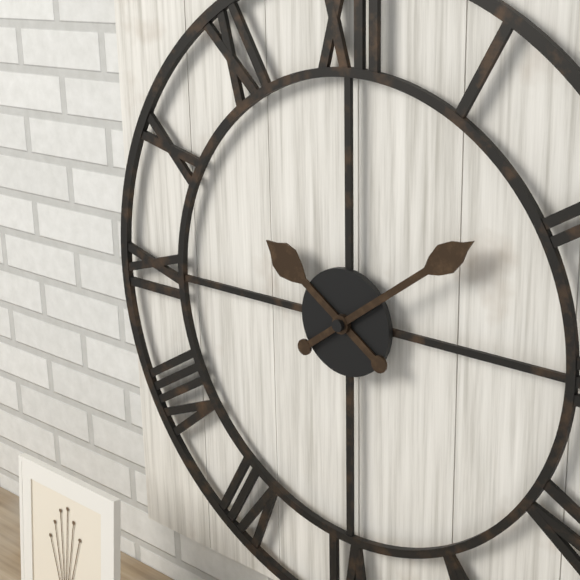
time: 10:09
